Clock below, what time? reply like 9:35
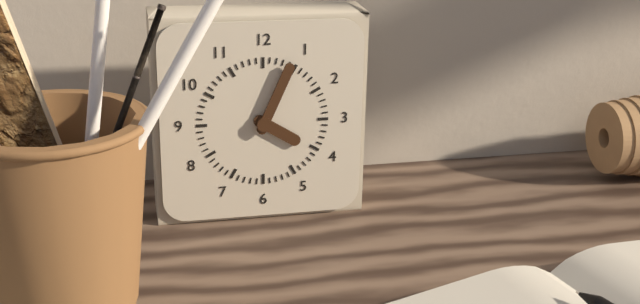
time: 4:04
